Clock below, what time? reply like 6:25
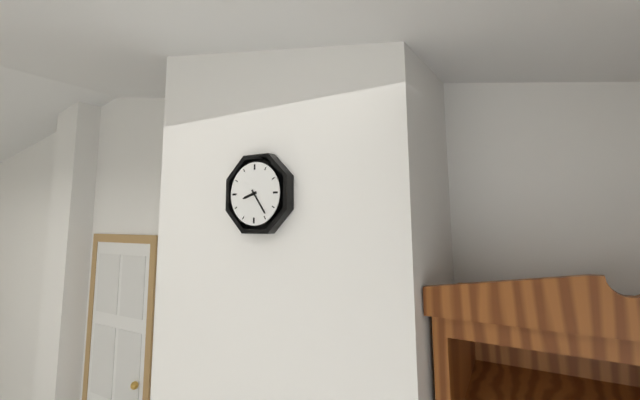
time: 8:24
